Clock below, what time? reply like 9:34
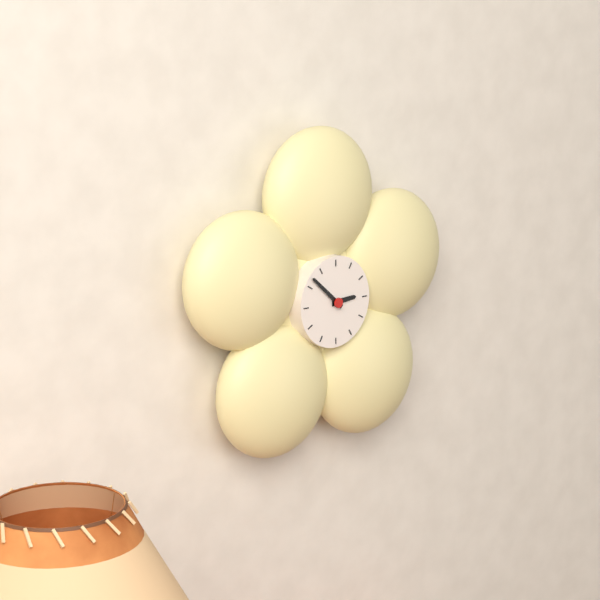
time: 2:52
